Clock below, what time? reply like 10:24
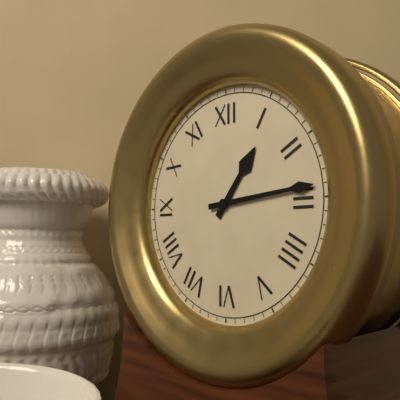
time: 1:14
